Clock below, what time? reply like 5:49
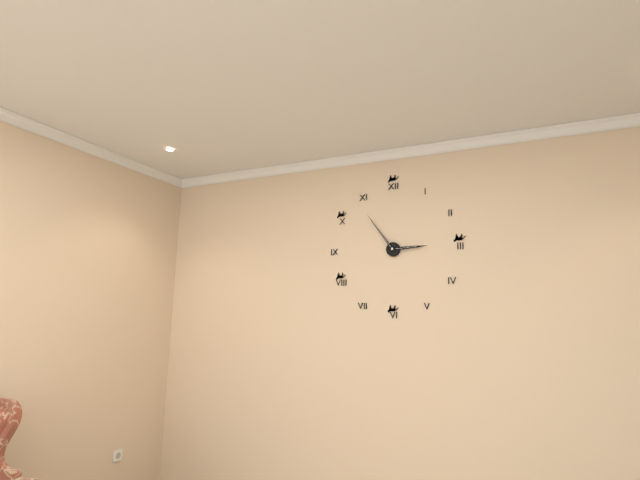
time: 2:54
